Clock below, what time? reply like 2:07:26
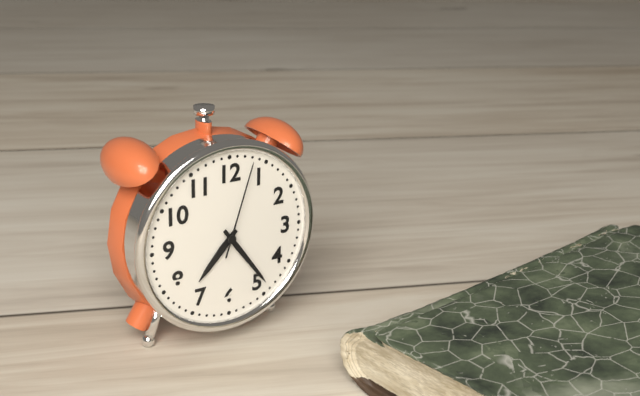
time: 7:24:03
